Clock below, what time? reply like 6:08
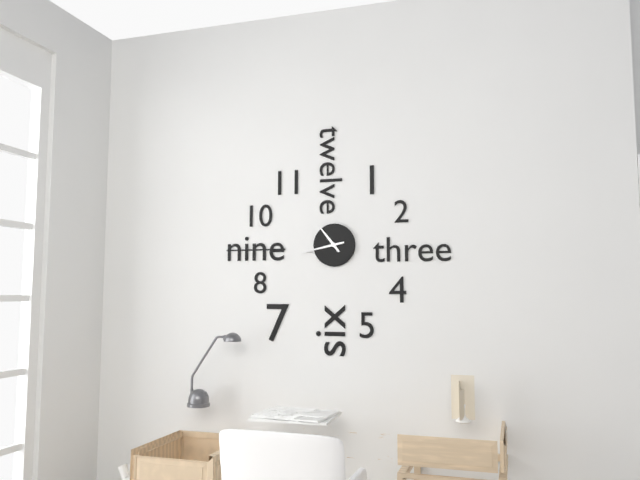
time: 10:43
